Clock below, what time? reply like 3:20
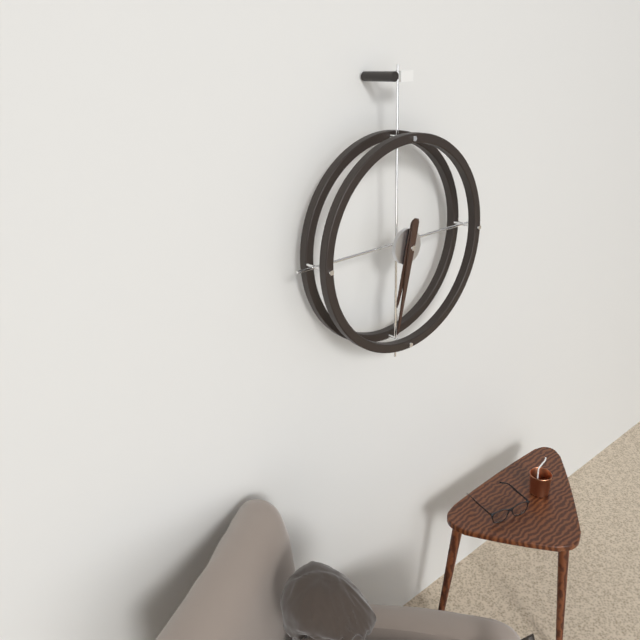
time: 6:32
